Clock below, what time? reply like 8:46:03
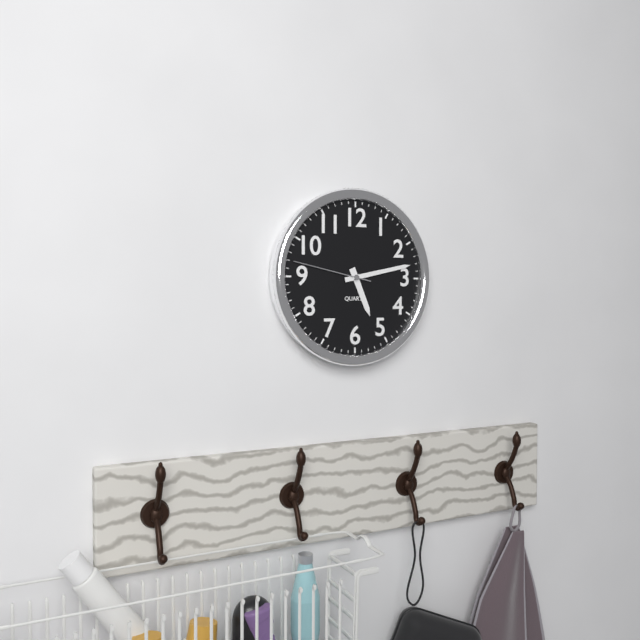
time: 5:13:47
